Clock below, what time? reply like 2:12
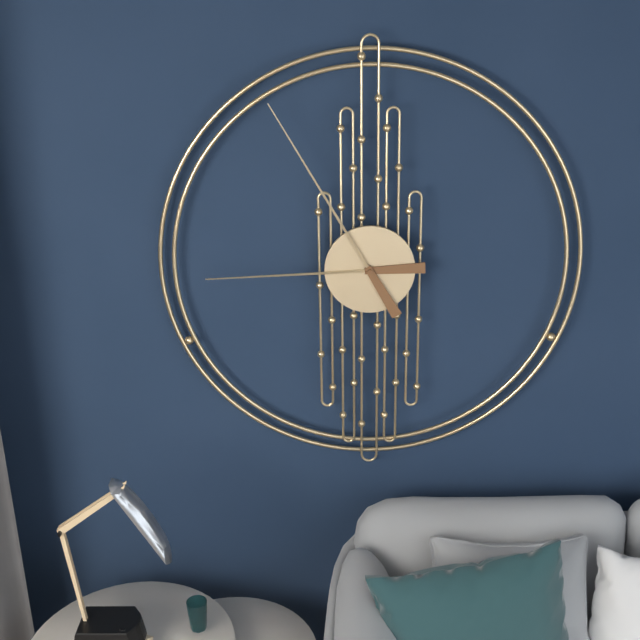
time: 8:55
